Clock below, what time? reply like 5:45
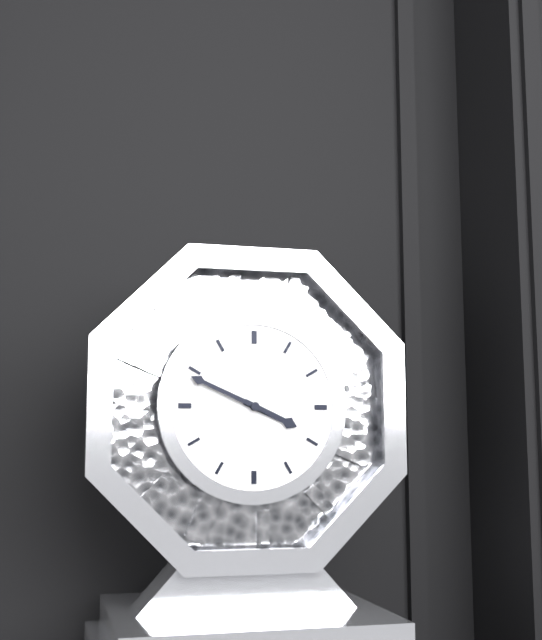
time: 3:49
